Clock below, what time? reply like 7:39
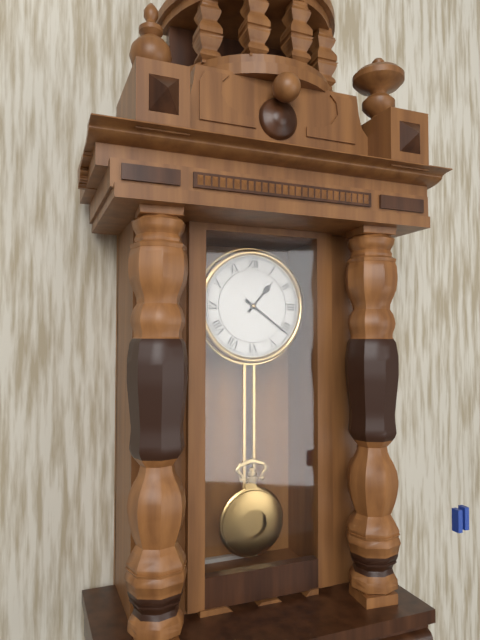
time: 1:21
